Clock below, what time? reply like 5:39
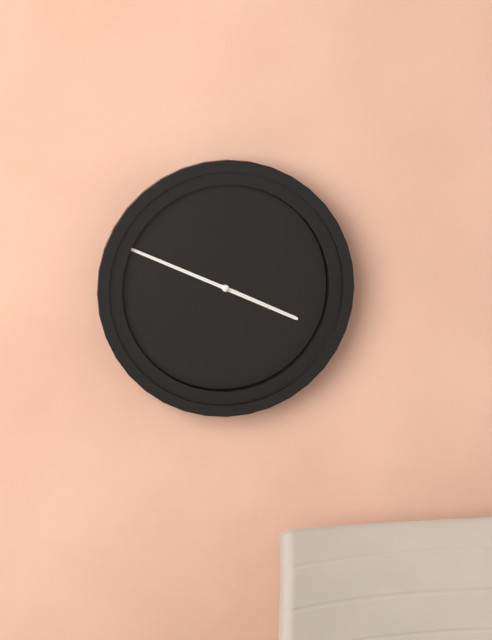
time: 3:49
